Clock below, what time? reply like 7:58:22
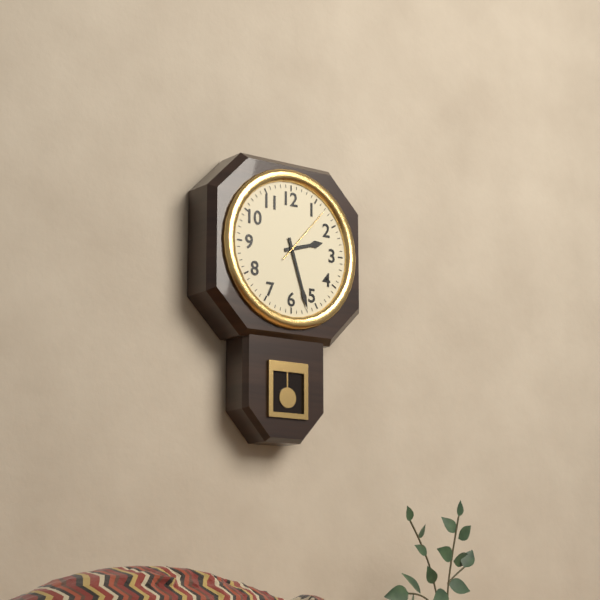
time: 2:27:07
